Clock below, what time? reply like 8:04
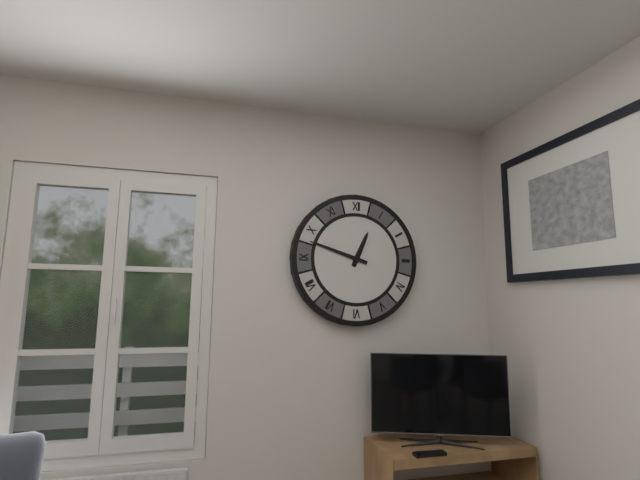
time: 12:48
